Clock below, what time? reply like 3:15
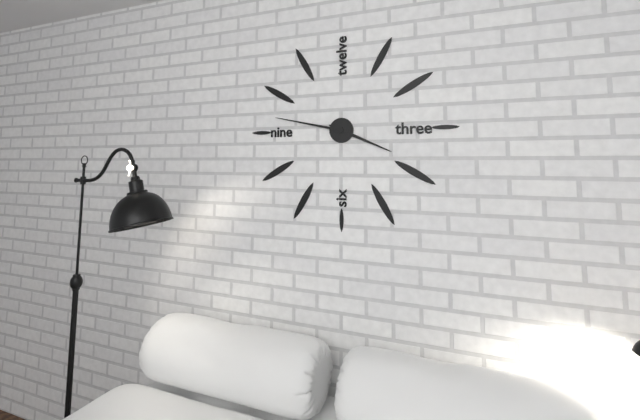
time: 3:47
